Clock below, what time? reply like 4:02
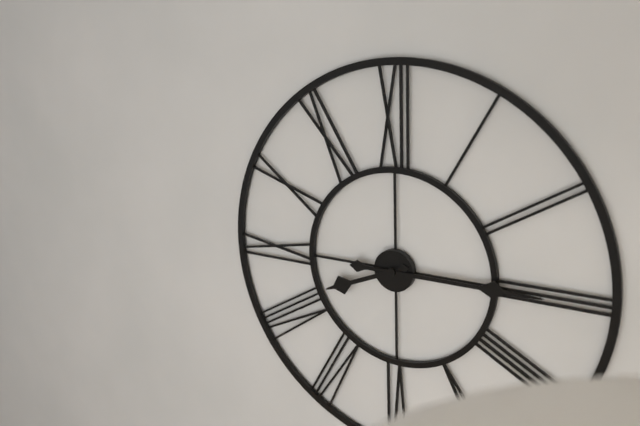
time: 8:15
